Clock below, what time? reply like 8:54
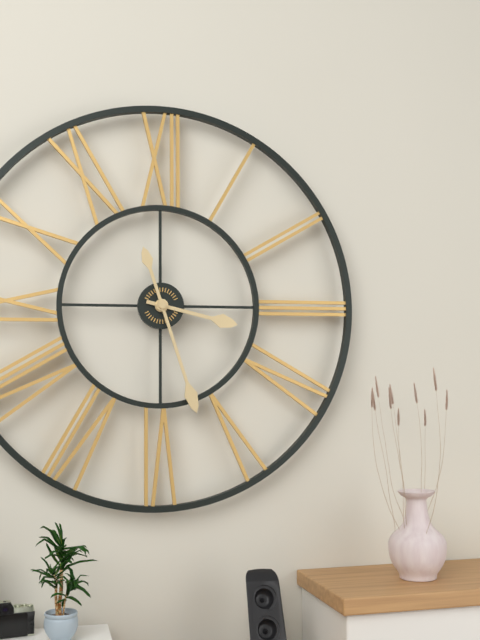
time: 3:27
